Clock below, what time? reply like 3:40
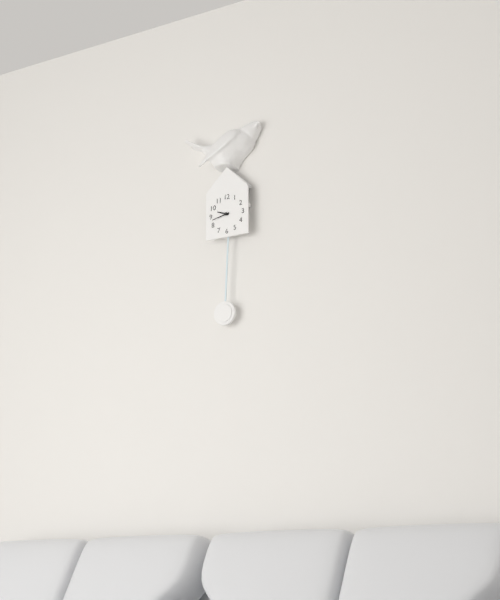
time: 9:43
